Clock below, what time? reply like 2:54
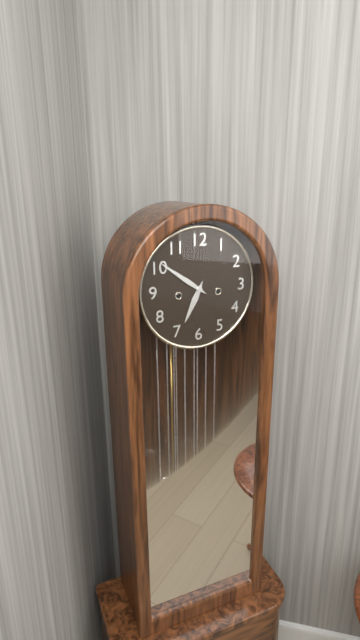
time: 6:51
